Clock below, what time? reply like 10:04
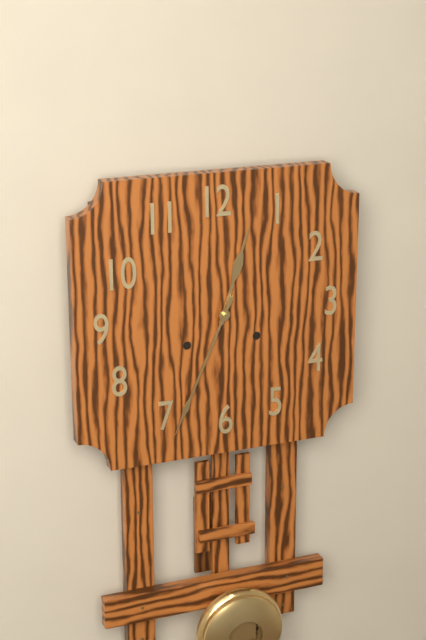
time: 12:34
